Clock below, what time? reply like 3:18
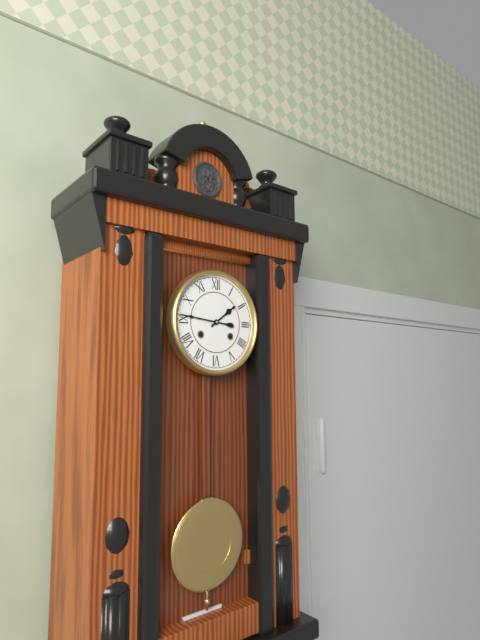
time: 1:46
